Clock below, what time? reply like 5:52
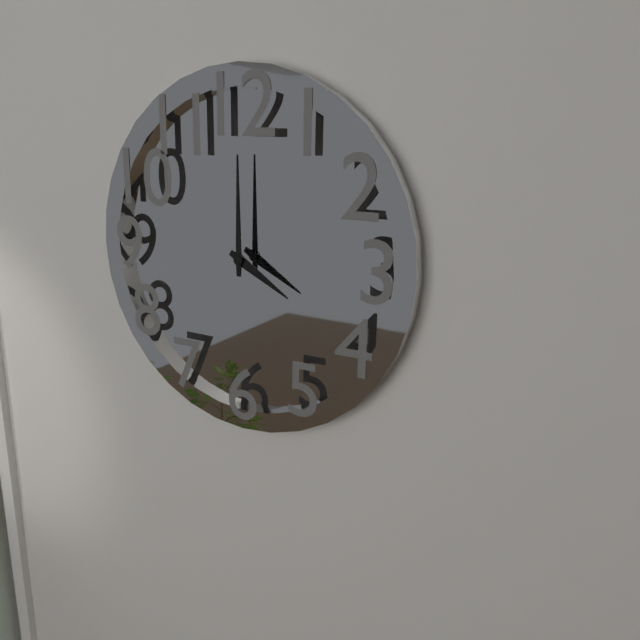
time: 4:00
